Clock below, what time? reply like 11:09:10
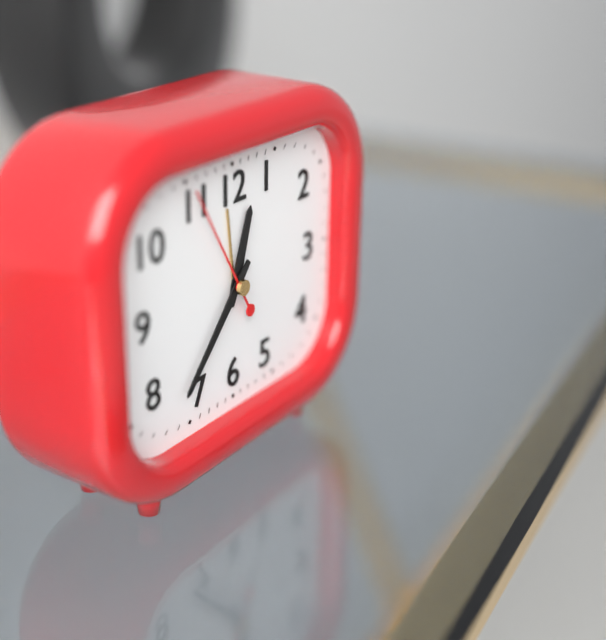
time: 12:37:55
